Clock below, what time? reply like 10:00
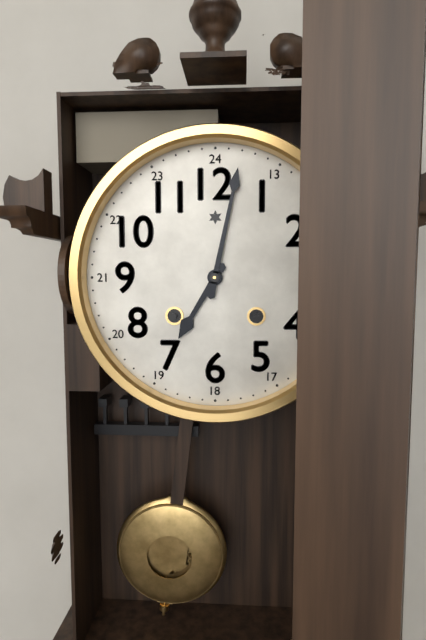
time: 7:02
